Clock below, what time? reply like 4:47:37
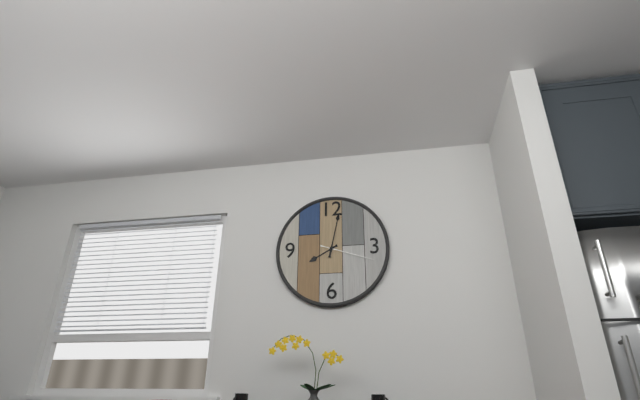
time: 8:02:18
